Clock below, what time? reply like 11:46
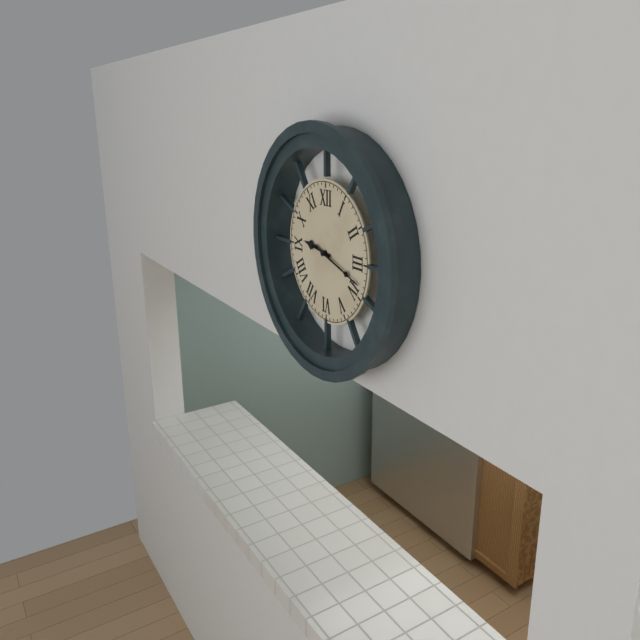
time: 9:18
